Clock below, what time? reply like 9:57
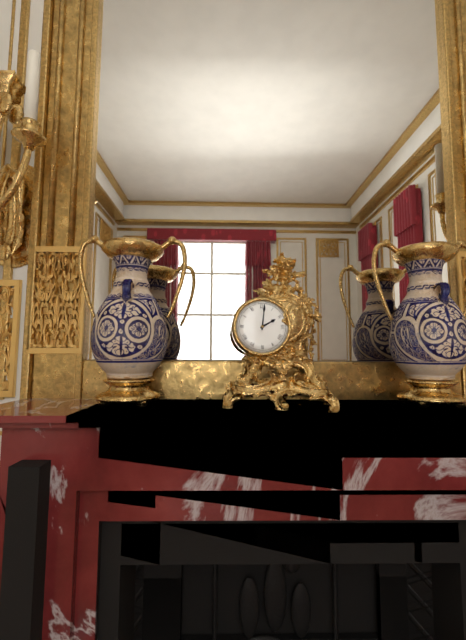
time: 2:01
